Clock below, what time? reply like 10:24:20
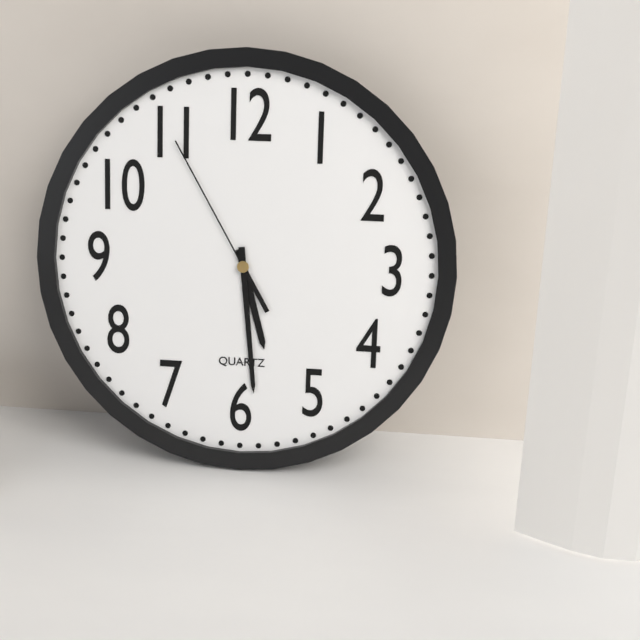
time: 5:29:55
